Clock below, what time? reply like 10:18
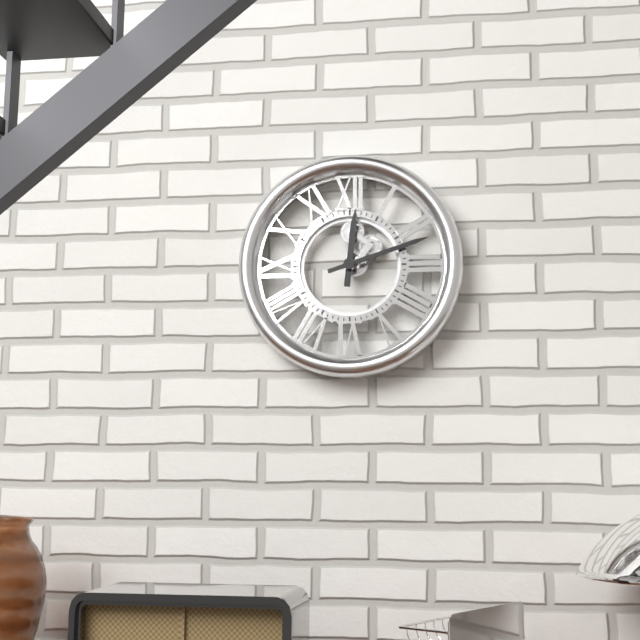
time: 12:12
